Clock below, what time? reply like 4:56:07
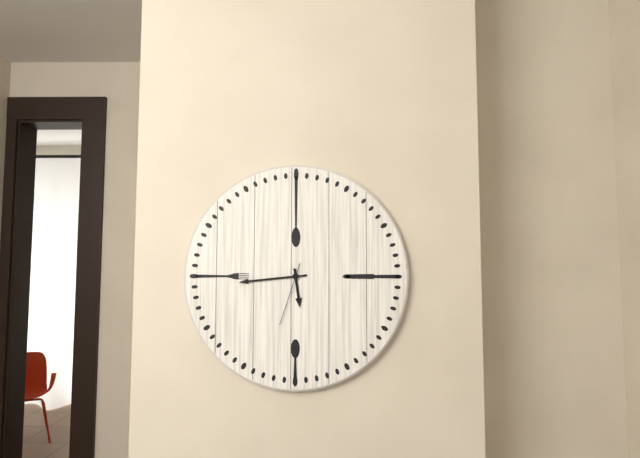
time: 5:44:33
